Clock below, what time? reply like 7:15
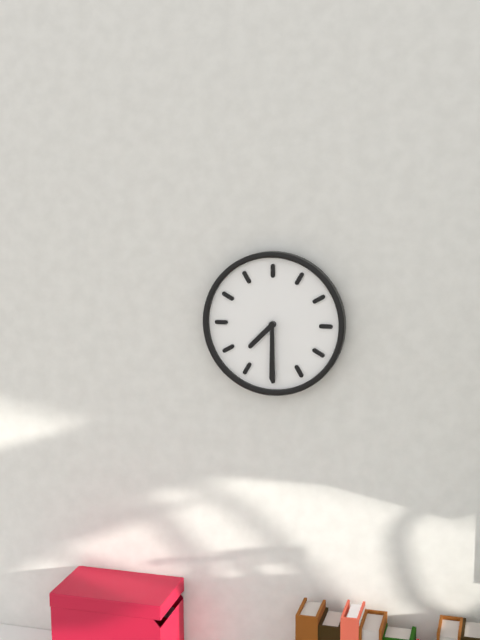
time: 7:30
